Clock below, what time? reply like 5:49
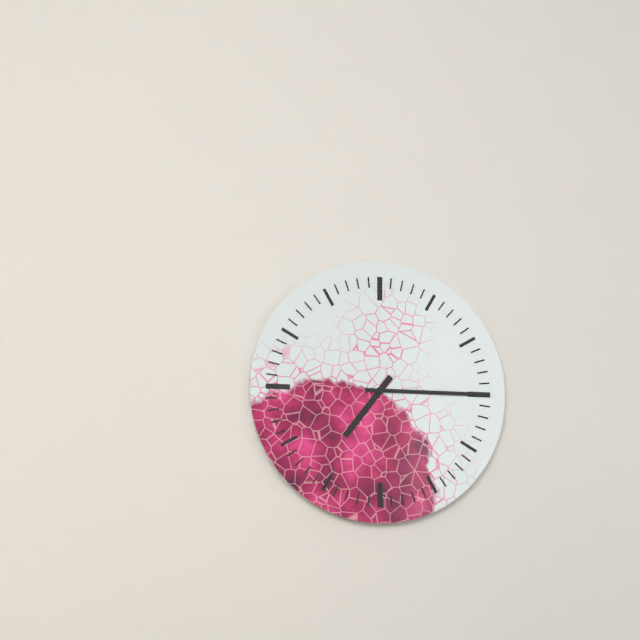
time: 7:15
